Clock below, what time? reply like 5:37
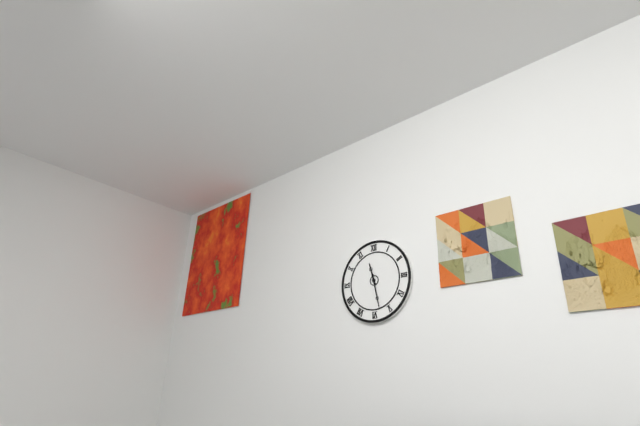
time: 11:28
